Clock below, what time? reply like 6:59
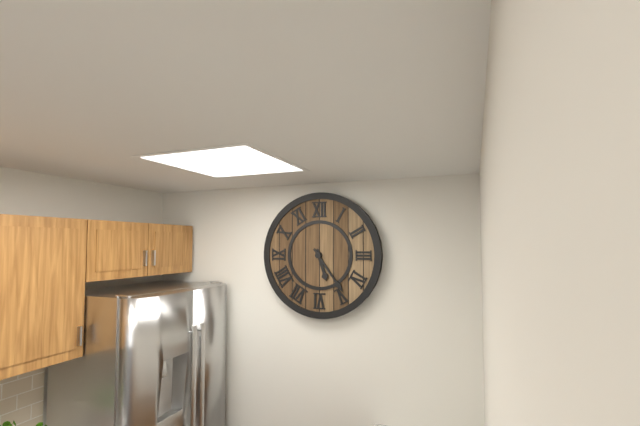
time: 5:24
